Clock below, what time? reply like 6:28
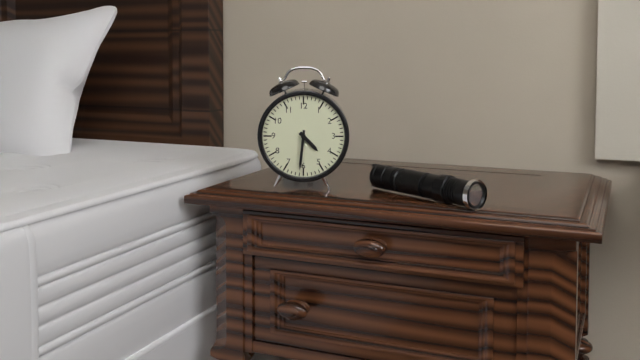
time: 4:31
